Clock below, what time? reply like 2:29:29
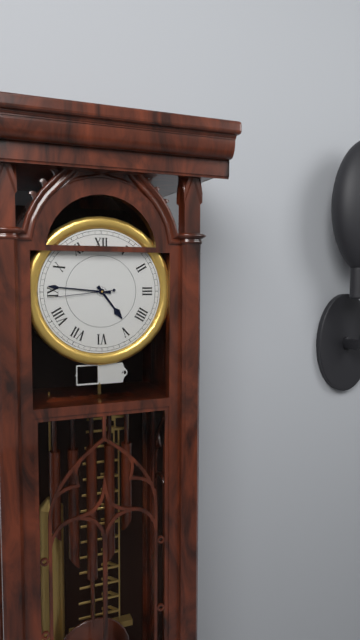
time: 4:46:44
